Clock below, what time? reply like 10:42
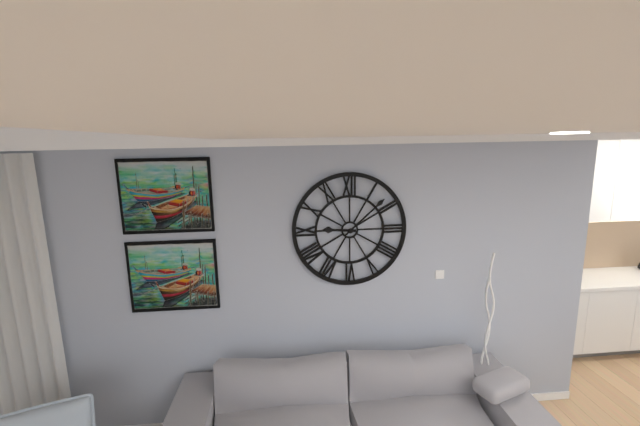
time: 9:08
